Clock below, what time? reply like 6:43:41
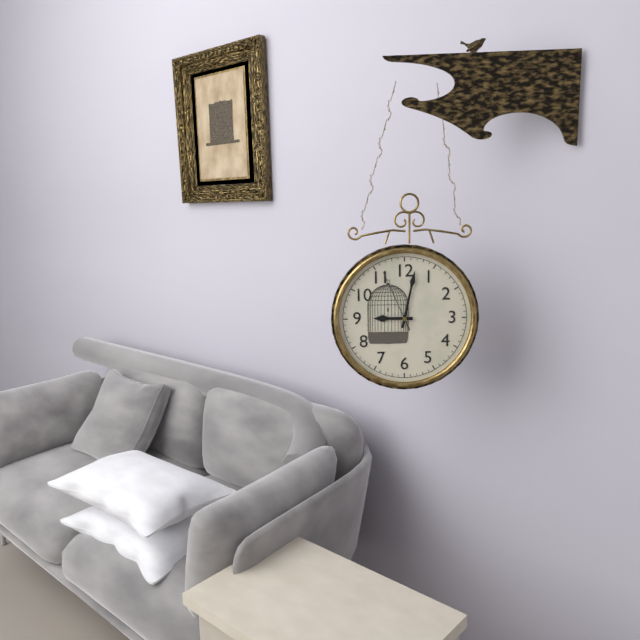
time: 9:02:56
